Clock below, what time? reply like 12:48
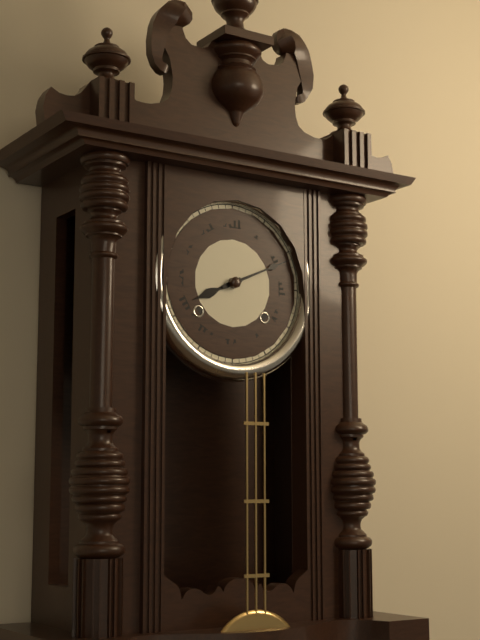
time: 8:11
